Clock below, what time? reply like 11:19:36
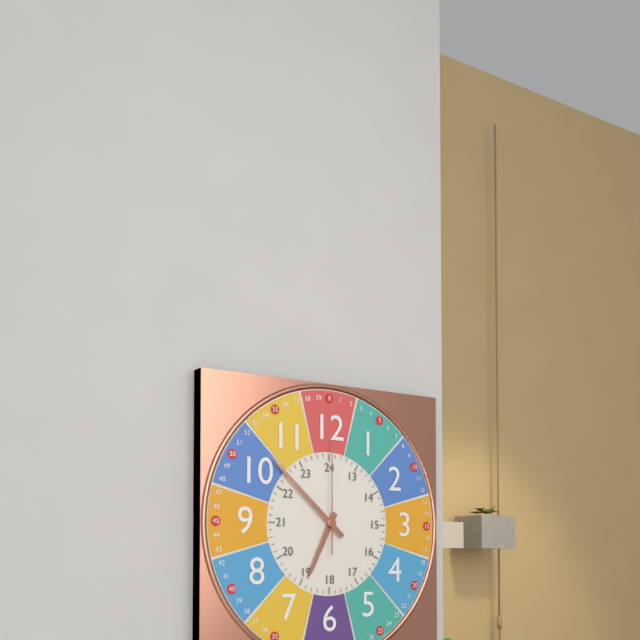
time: 6:52:00
